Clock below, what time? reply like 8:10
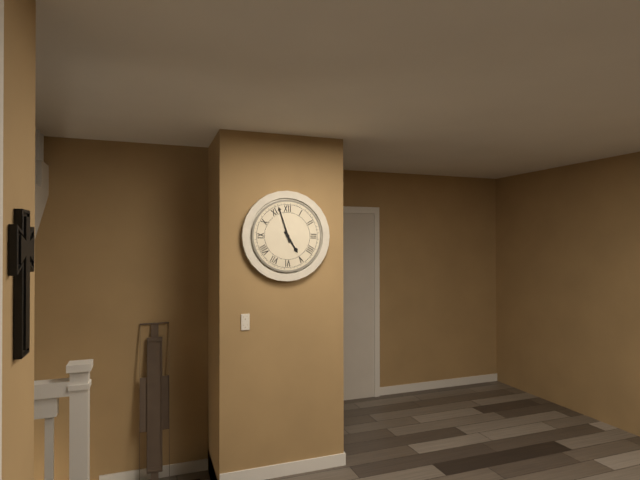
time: 4:57
